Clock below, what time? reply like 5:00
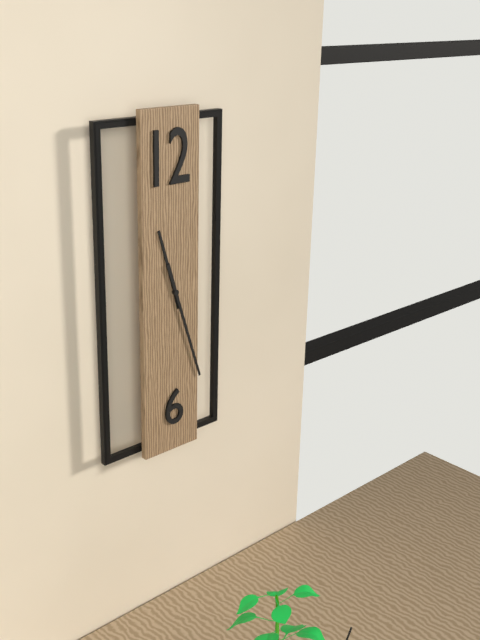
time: 11:27
